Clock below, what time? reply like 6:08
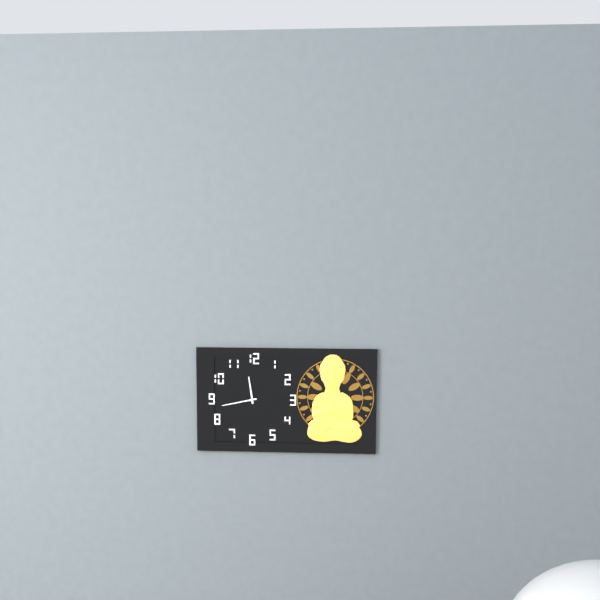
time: 11:43
